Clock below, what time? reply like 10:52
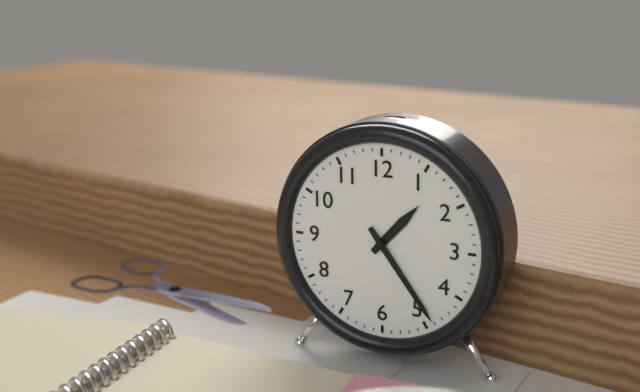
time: 1:24
